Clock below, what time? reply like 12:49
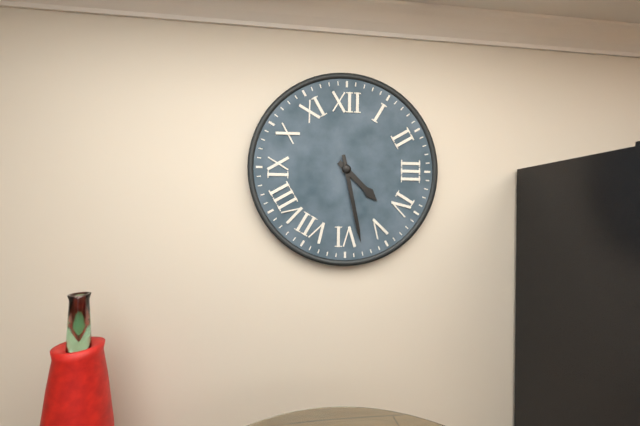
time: 4:28
